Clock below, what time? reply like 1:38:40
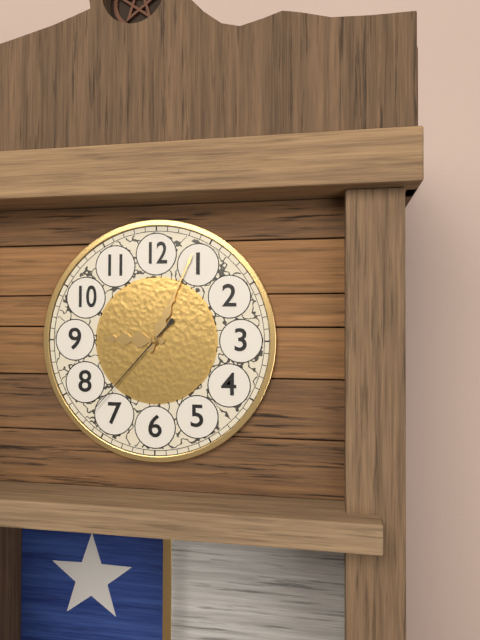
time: 9:04:37
